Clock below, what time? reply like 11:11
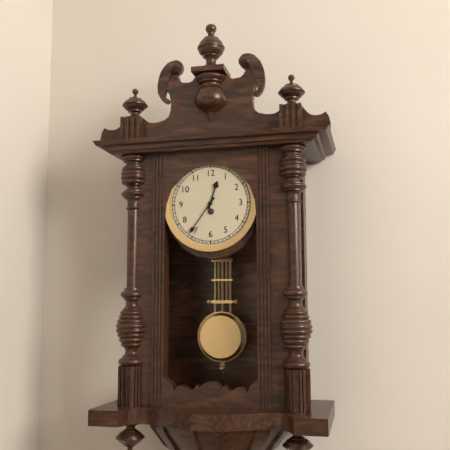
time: 12:36
